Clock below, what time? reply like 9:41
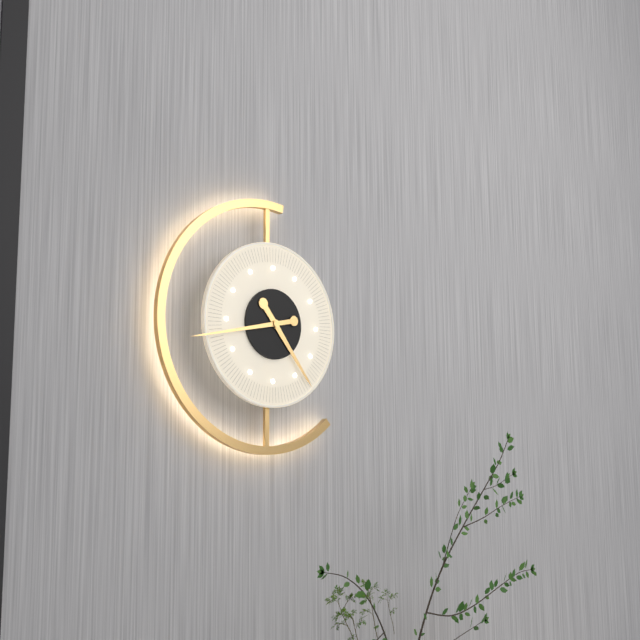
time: 4:43
